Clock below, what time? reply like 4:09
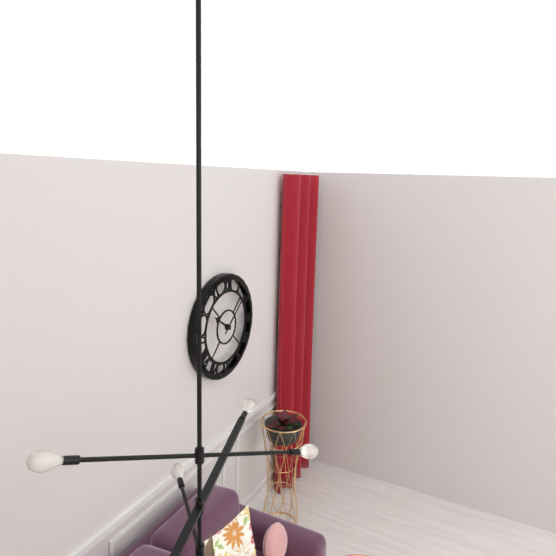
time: 10:08
